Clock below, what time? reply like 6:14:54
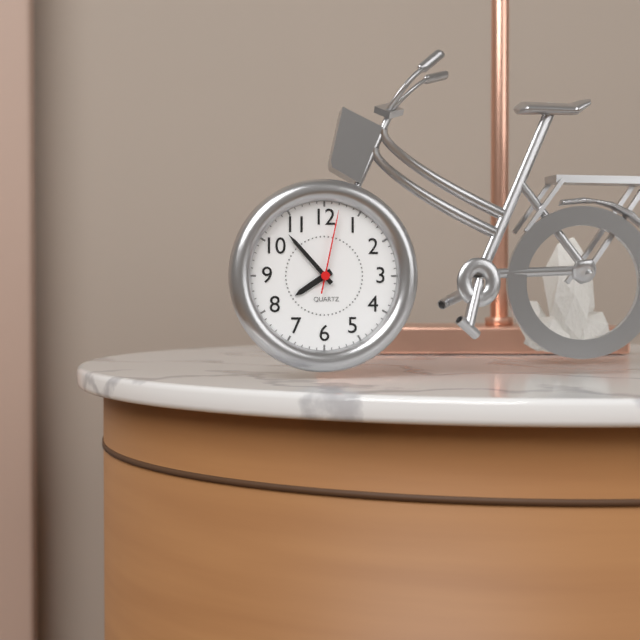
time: 7:53:02
